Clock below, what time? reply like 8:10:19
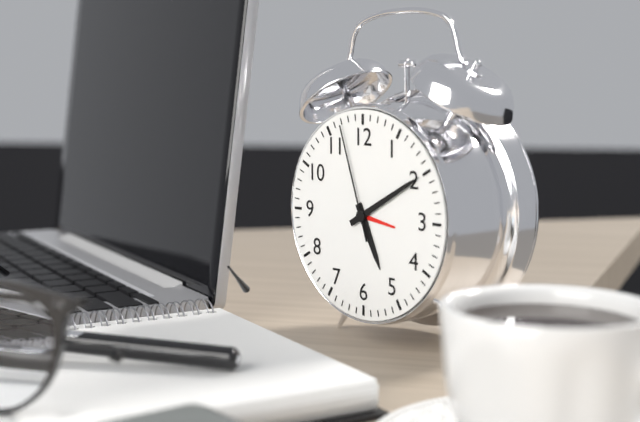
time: 5:10:57
